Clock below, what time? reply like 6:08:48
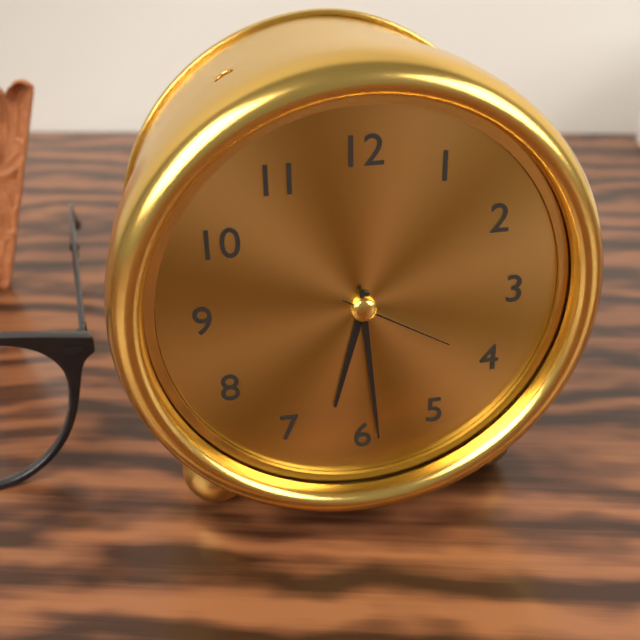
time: 6:29:20
